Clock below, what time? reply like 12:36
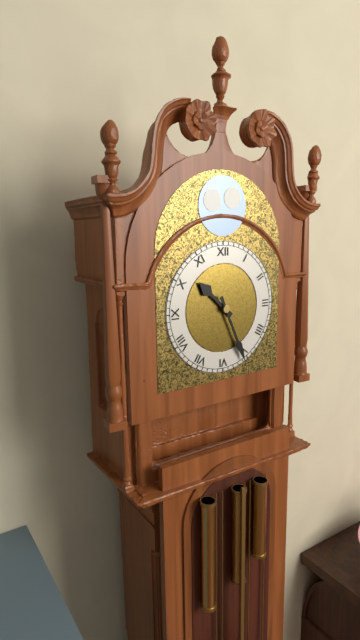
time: 10:26
